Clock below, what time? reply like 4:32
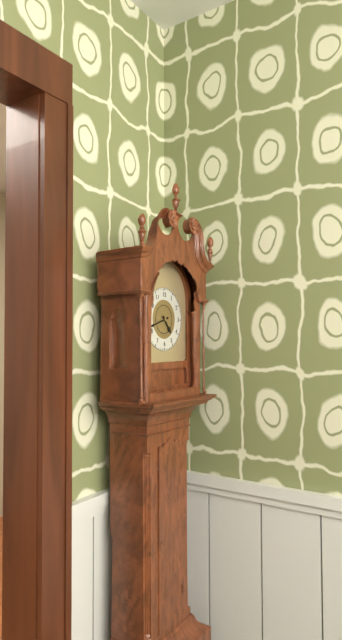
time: 4:42
